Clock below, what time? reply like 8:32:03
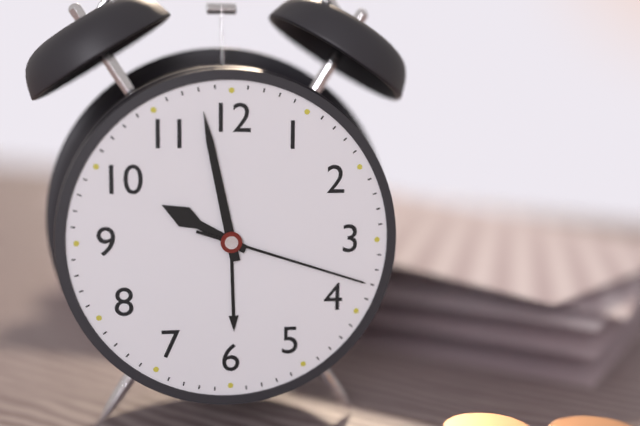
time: 9:58:18
